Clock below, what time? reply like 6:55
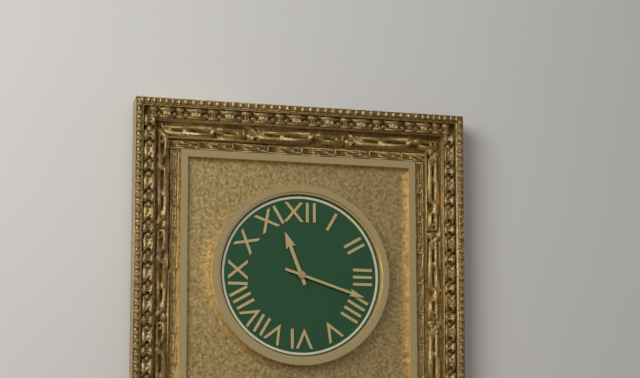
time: 11:18
